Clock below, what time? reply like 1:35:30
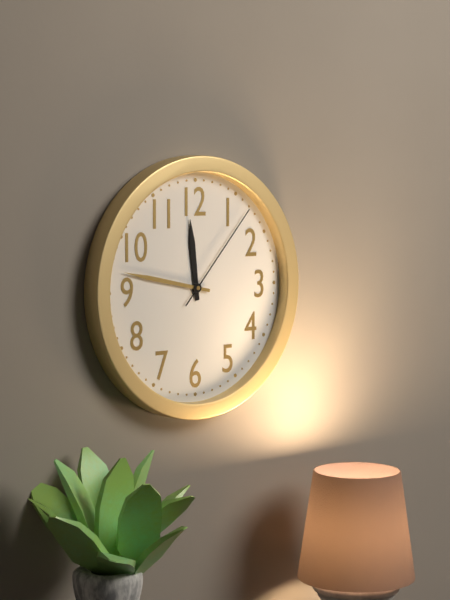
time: 11:47:07
